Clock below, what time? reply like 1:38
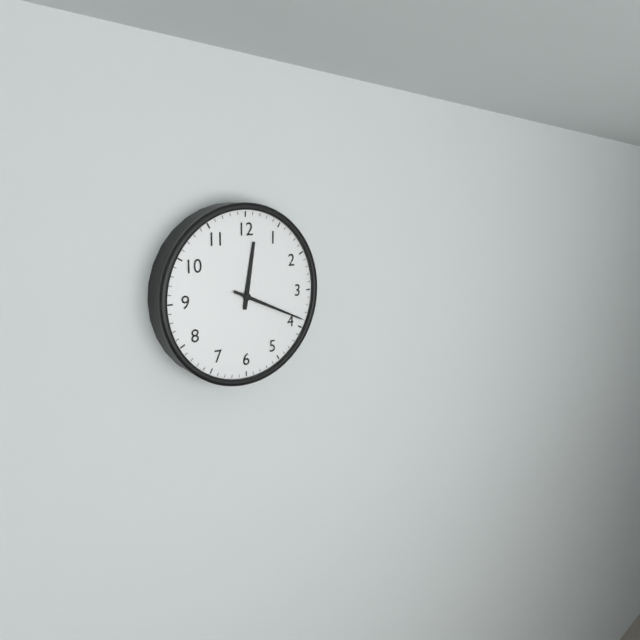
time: 12:19
